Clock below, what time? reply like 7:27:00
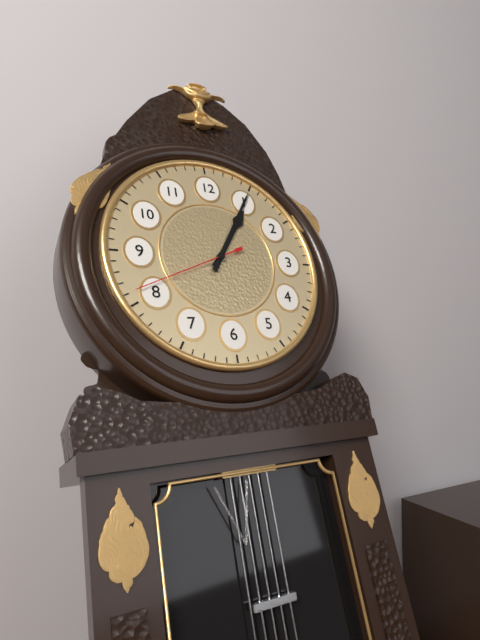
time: 1:05:41
